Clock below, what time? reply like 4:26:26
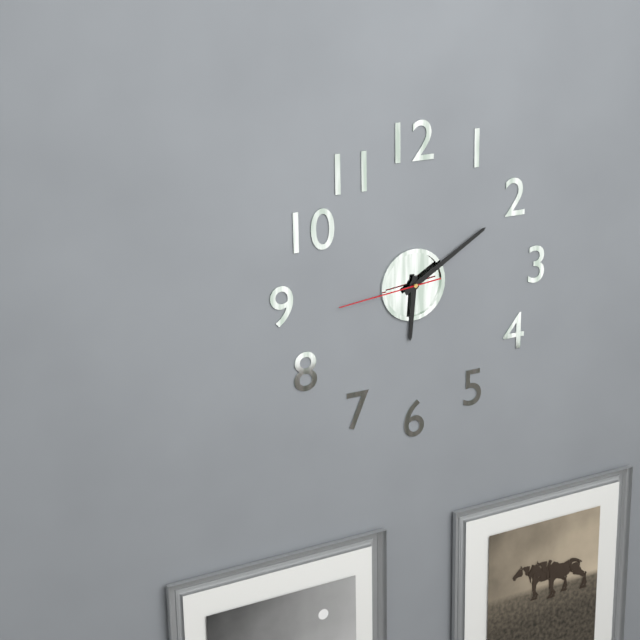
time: 6:10:44
